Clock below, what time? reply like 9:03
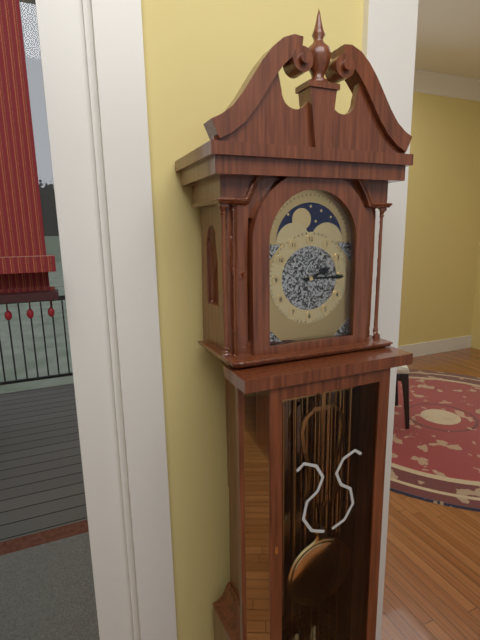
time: 2:15
